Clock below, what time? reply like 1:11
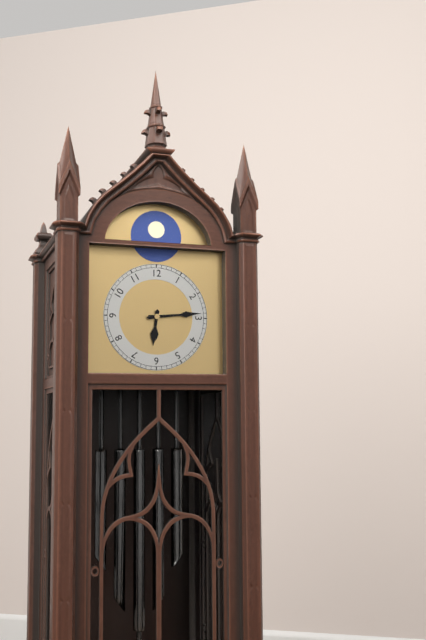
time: 6:14
